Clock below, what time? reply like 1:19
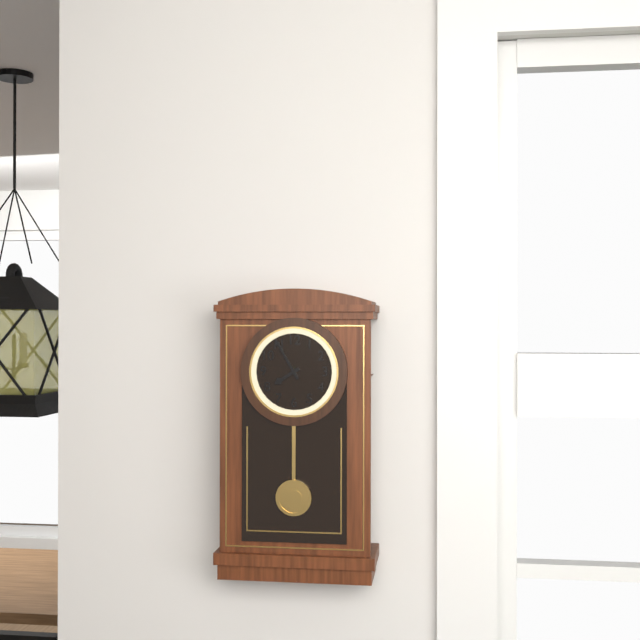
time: 7:55
